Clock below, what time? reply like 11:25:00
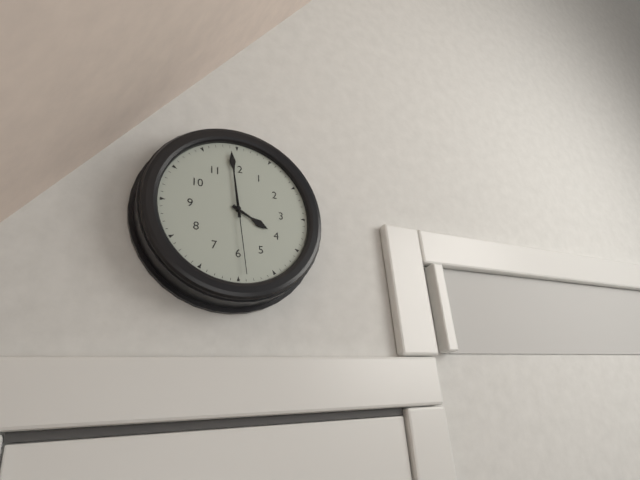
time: 3:59:29
